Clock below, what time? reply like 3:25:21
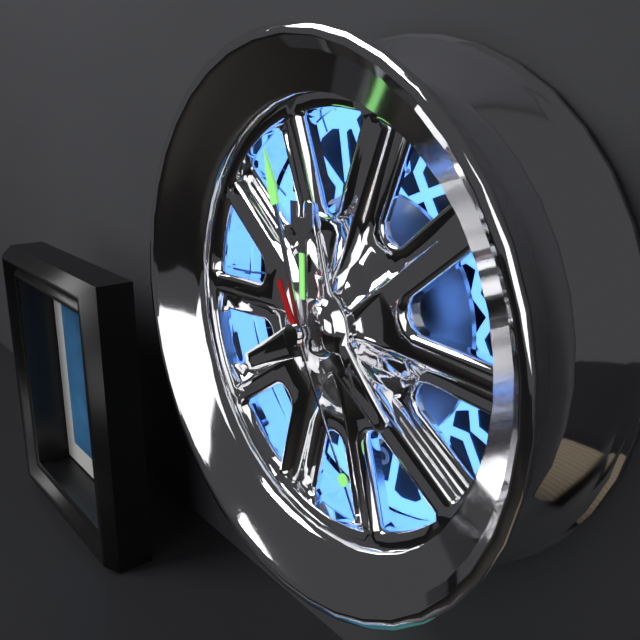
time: 11:57:25
